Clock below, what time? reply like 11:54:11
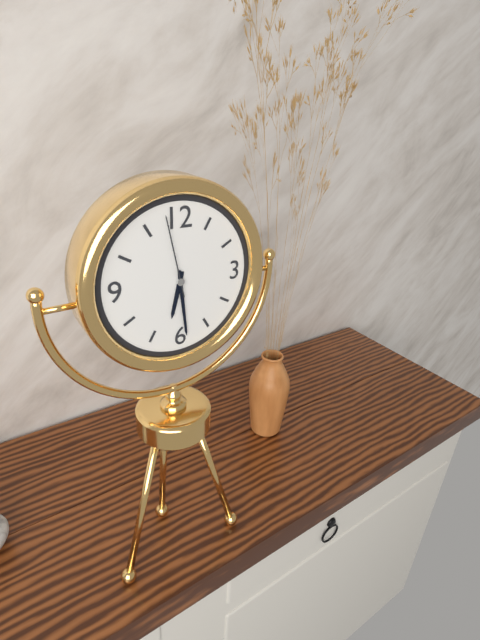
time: 6:29:58
